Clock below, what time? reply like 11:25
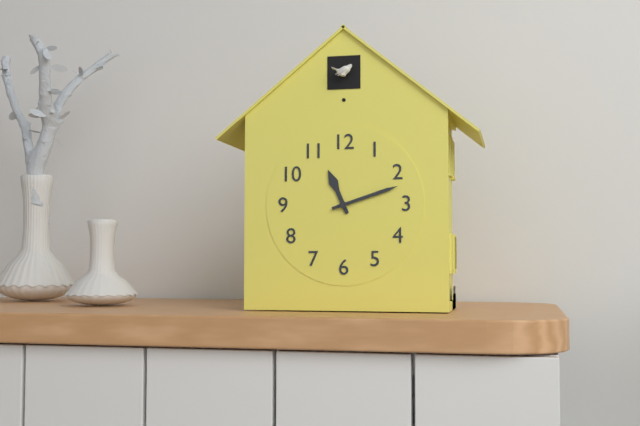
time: 11:12
